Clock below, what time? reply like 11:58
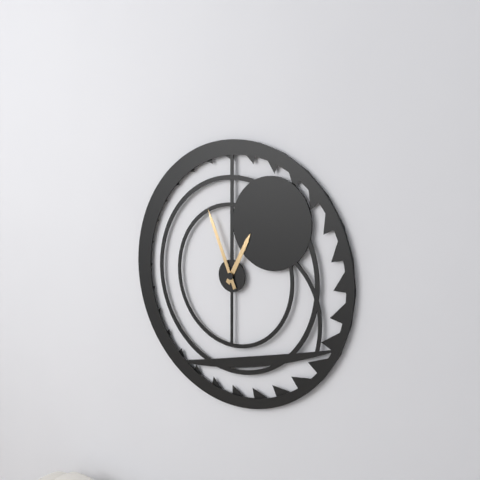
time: 12:56
